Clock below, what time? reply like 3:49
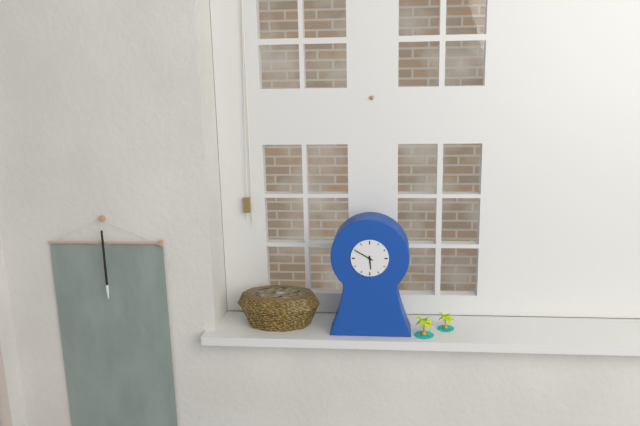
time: 5:50
